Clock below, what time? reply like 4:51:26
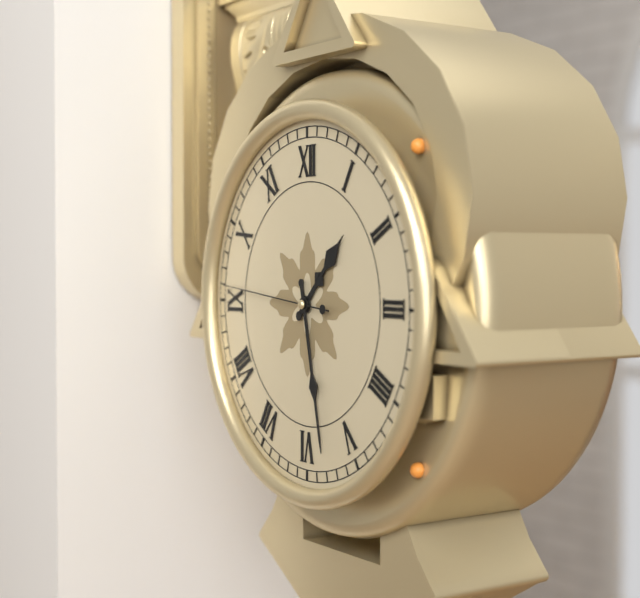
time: 1:28:46
